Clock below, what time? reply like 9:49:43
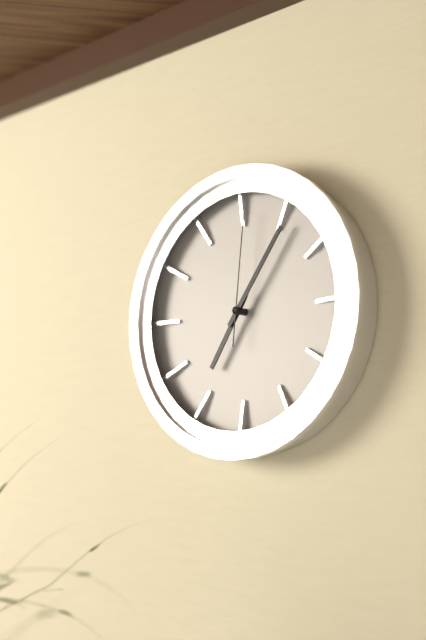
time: 7:06:01
